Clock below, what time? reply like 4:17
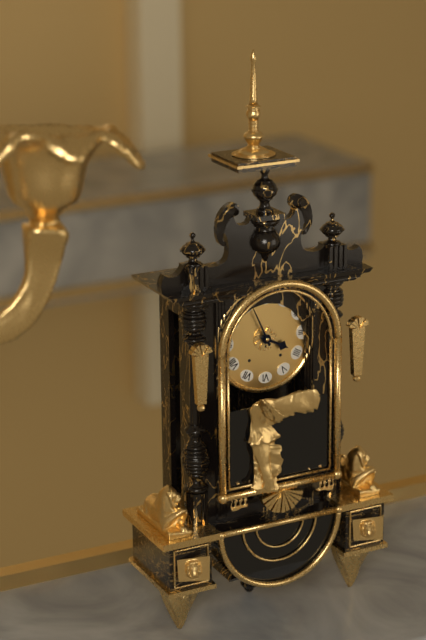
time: 3:56
